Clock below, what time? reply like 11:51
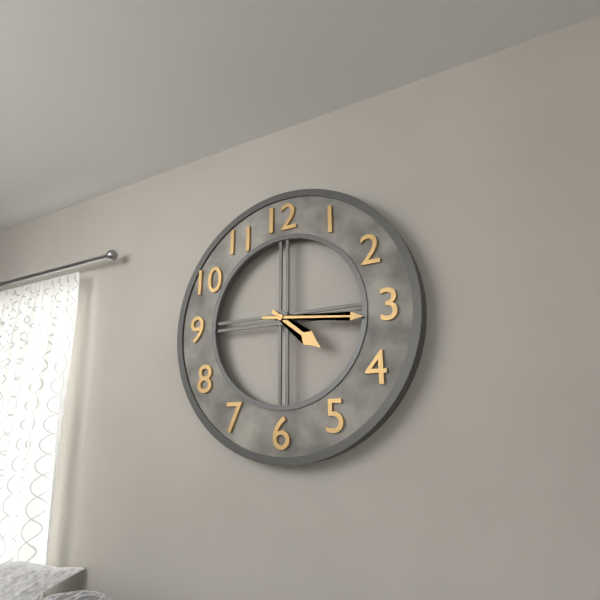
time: 4:16
